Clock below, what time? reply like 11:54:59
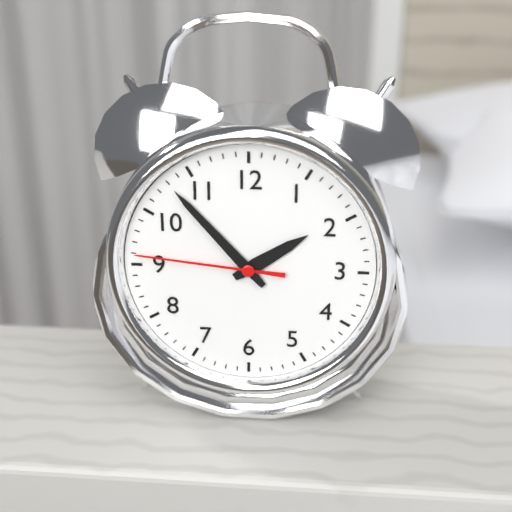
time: 1:53:46
